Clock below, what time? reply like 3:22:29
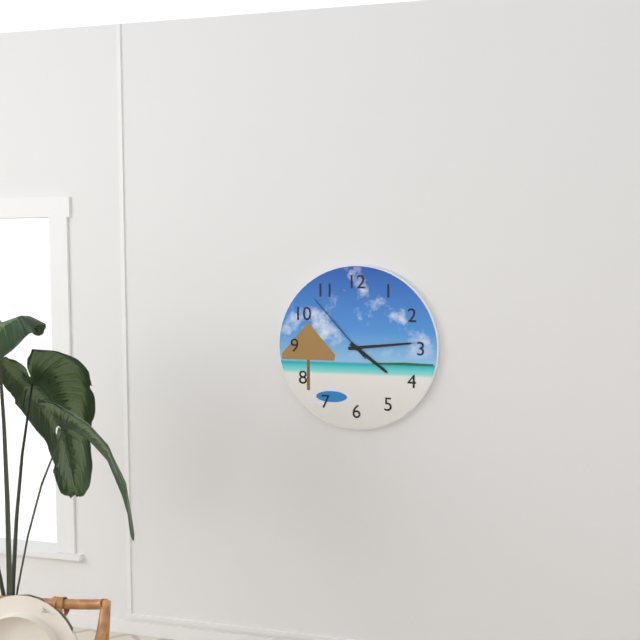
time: 4:14:53
